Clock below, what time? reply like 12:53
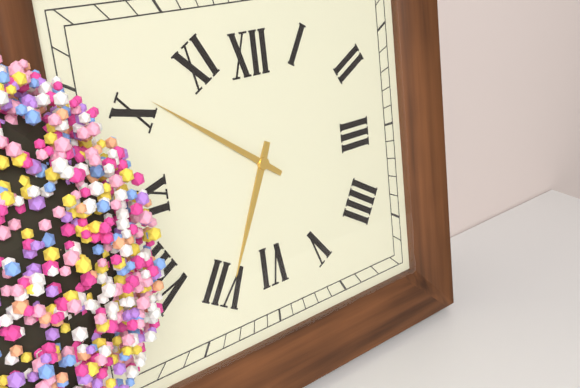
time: 6:51
